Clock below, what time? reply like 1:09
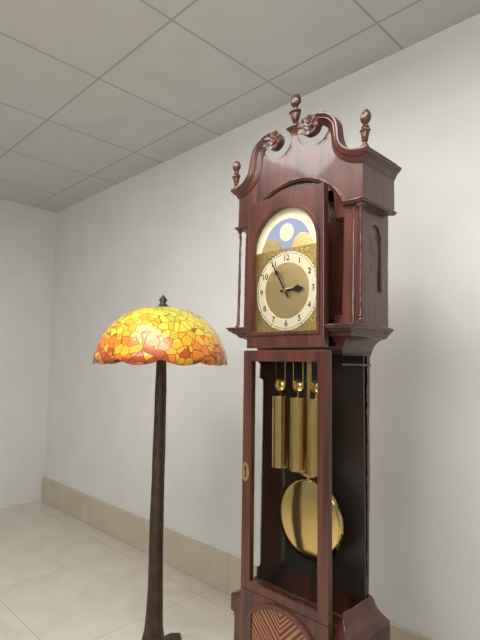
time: 2:55
